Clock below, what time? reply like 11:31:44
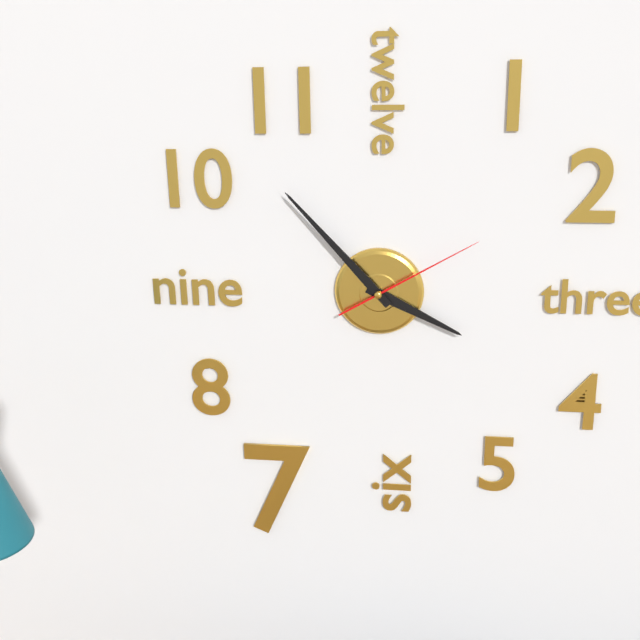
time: 3:53:10
